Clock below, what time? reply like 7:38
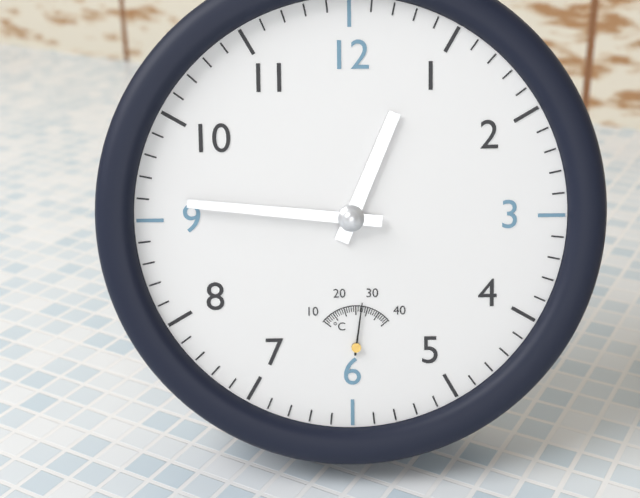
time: 12:46
